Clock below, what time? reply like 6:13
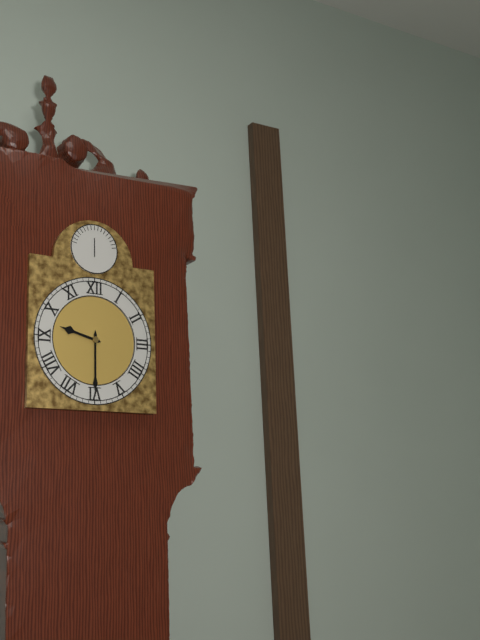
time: 9:30
